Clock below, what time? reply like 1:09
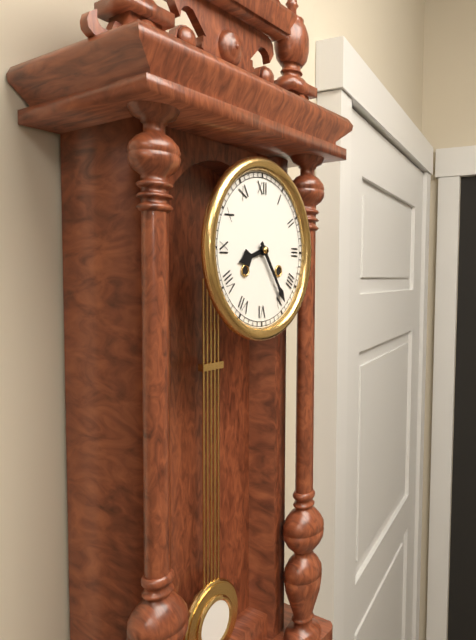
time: 8:24
